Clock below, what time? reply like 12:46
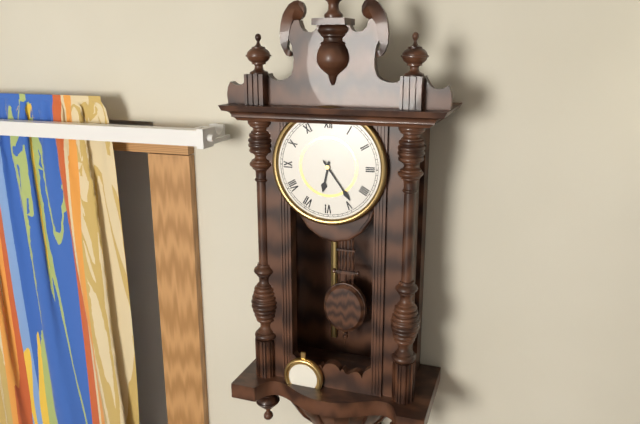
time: 6:24
